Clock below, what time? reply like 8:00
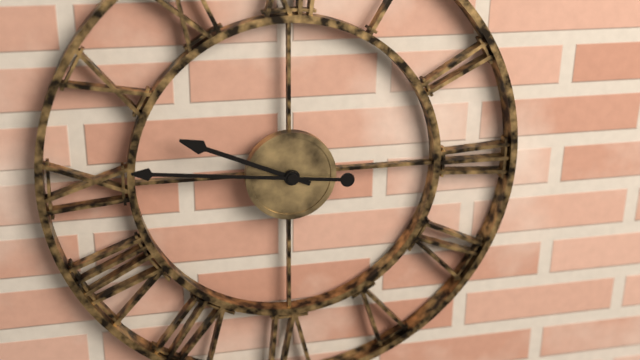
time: 9:46
